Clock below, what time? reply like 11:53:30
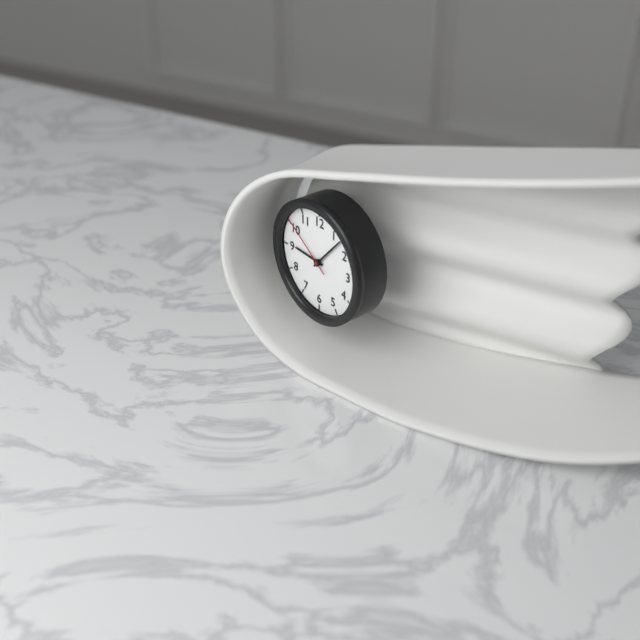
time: 9:07:51
